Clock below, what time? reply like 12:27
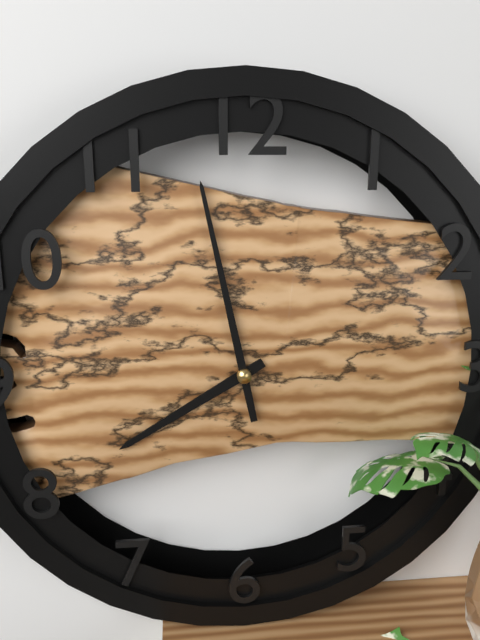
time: 7:58
